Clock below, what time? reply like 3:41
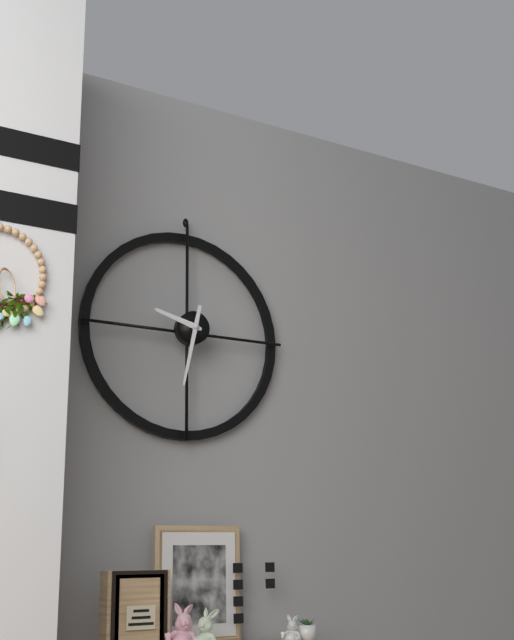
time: 9:32
